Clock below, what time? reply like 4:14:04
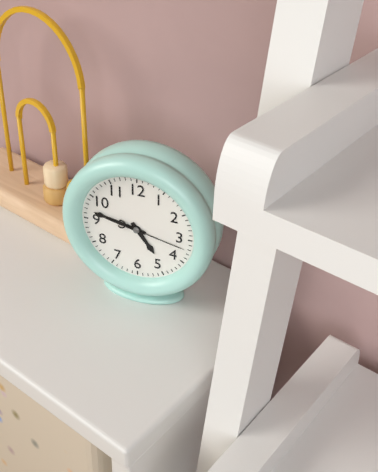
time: 4:47:17
